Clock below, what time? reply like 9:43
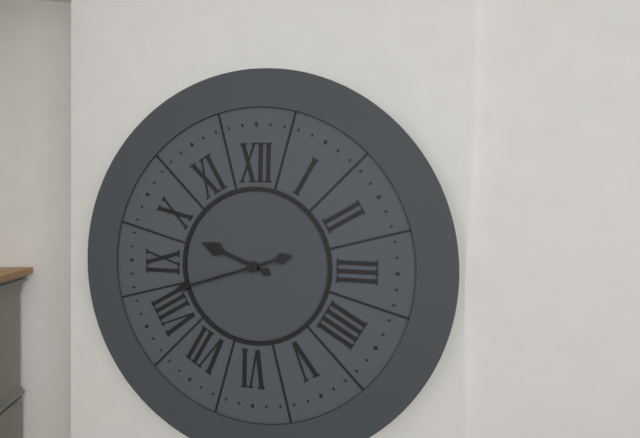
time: 9:42
